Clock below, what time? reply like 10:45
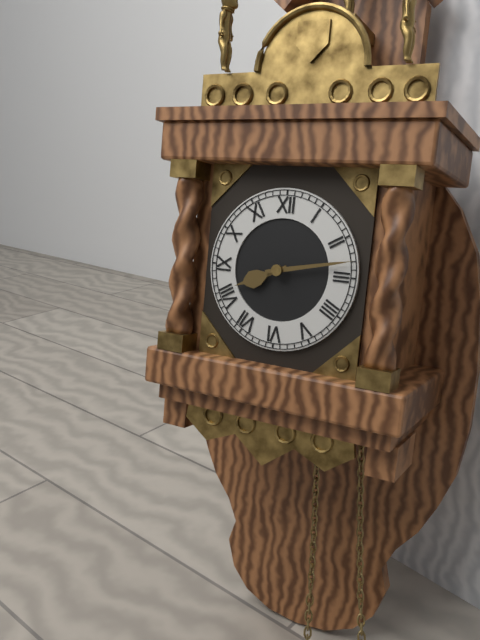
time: 8:13
